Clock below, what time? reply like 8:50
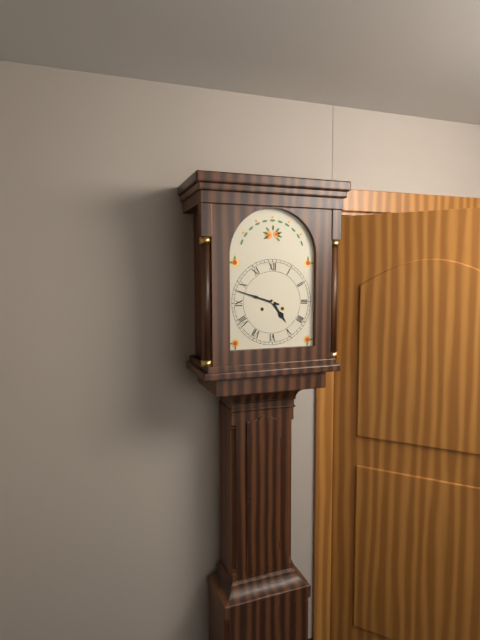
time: 4:48
